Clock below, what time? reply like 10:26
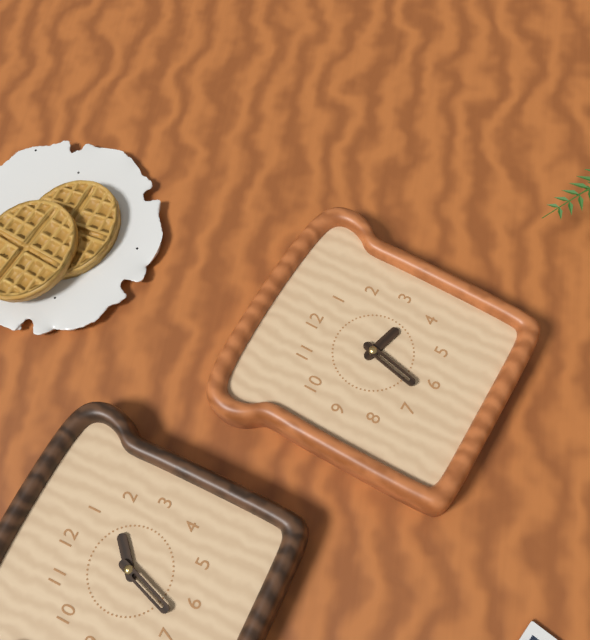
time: 3:32
